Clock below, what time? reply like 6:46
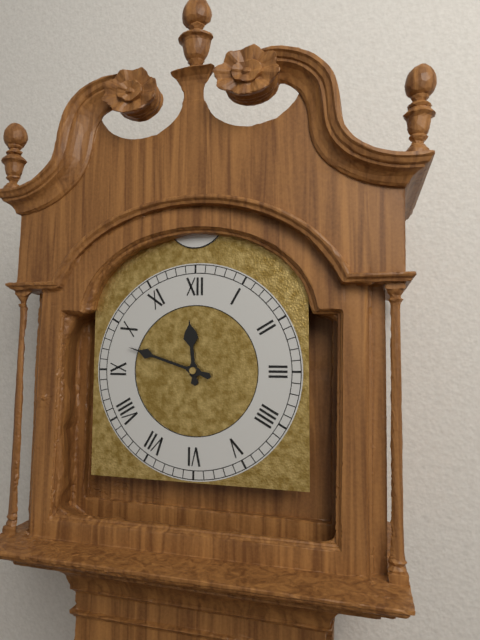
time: 11:48
